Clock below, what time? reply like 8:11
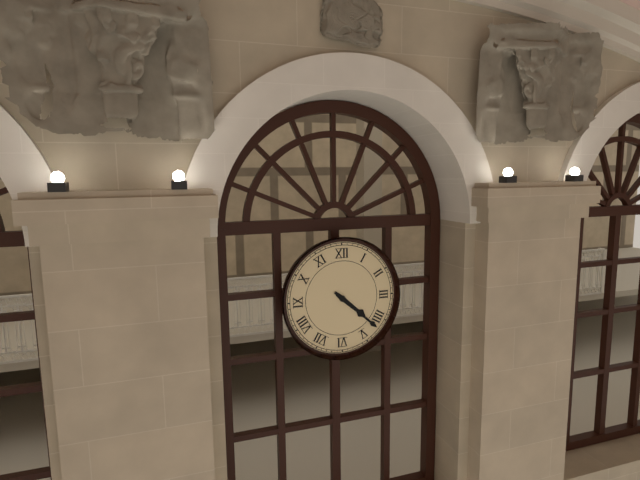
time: 4:22
